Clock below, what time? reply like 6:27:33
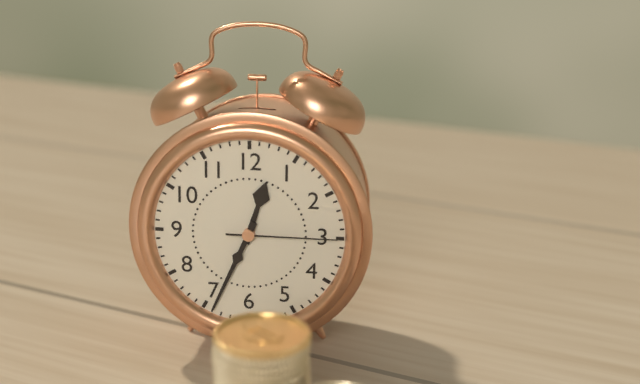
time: 12:34:15
